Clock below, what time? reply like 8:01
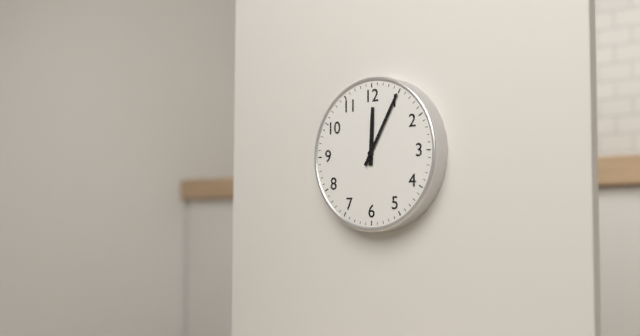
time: 12:05
